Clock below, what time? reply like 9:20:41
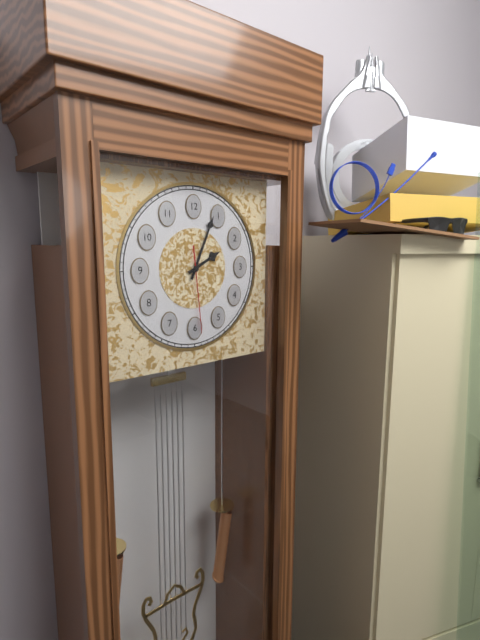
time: 2:04:29
